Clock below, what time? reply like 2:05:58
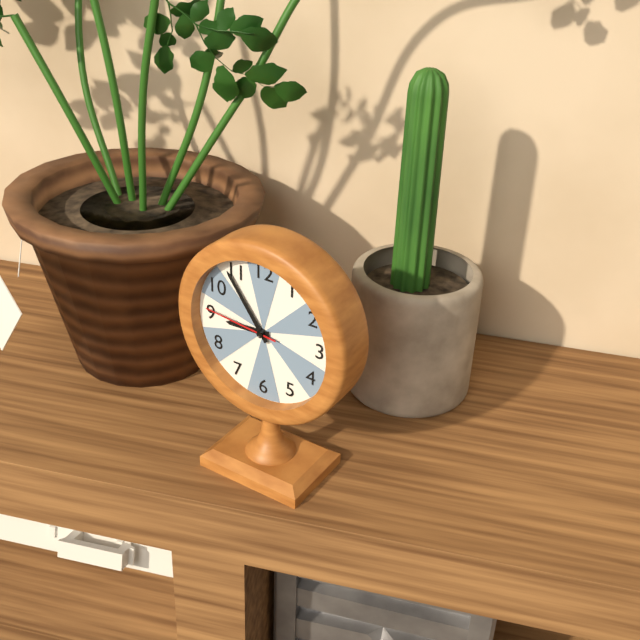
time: 8:54:46
